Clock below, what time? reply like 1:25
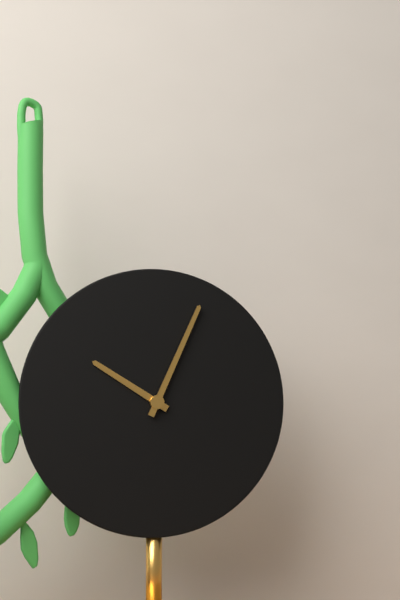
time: 10:04
